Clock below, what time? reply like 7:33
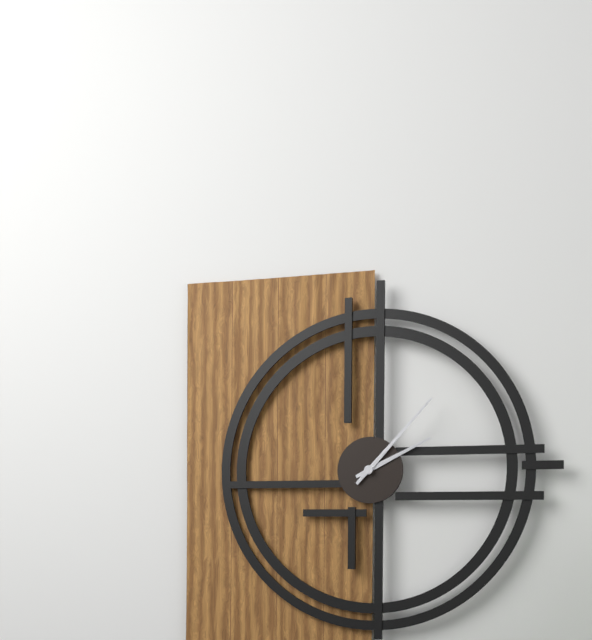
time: 2:07
